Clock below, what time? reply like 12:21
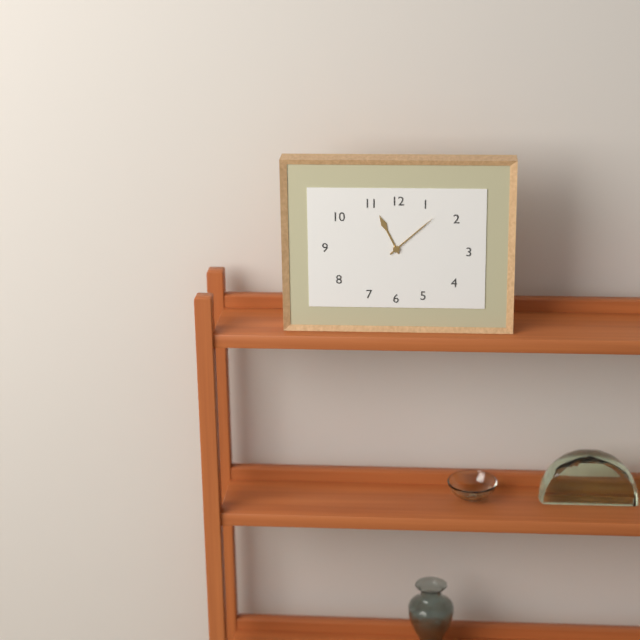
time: 11:08
